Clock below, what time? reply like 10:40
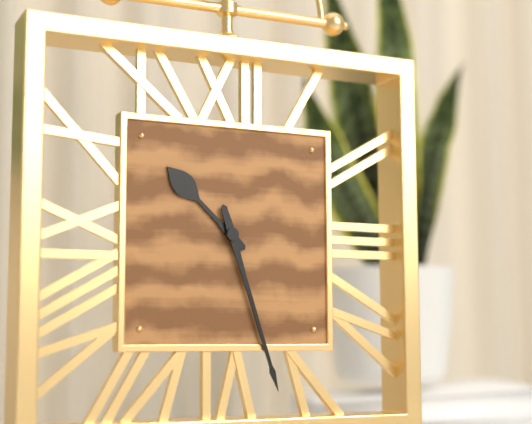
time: 10:27
